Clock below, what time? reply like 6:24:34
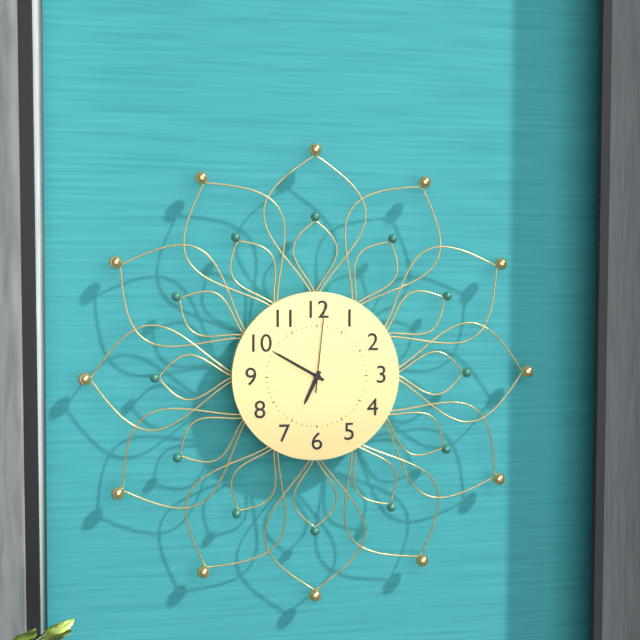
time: 6:50:01
